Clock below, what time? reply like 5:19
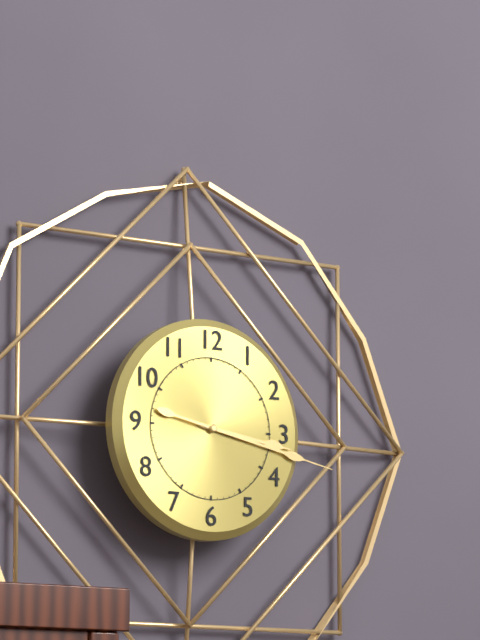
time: 3:17
